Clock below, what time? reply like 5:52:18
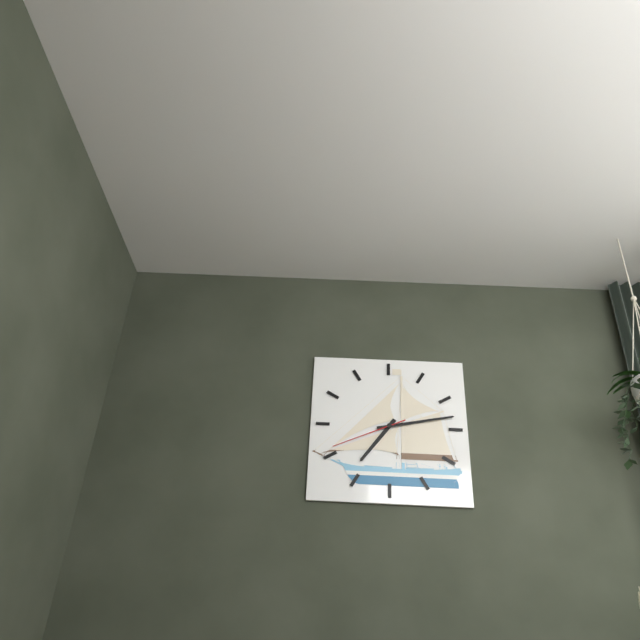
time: 7:13:41
